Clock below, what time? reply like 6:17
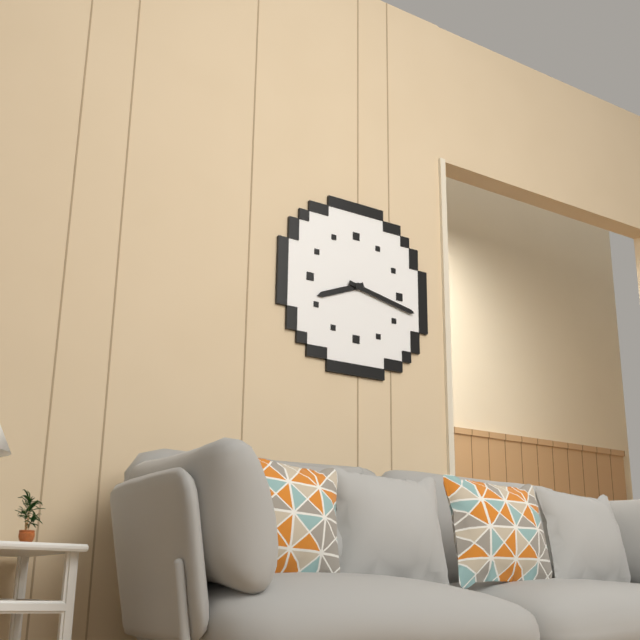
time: 8:17
